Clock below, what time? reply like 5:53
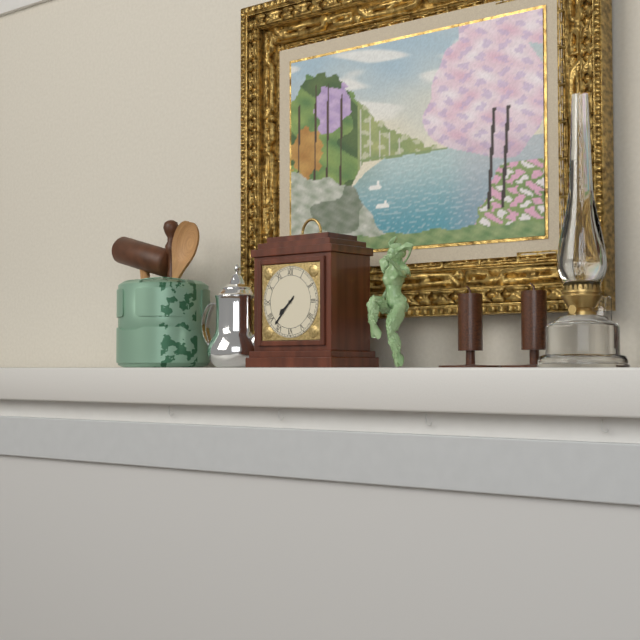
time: 7:37
